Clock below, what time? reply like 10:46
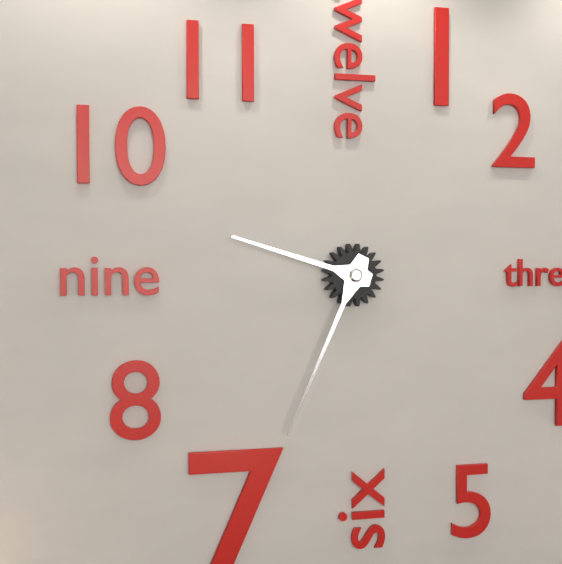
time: 9:34
